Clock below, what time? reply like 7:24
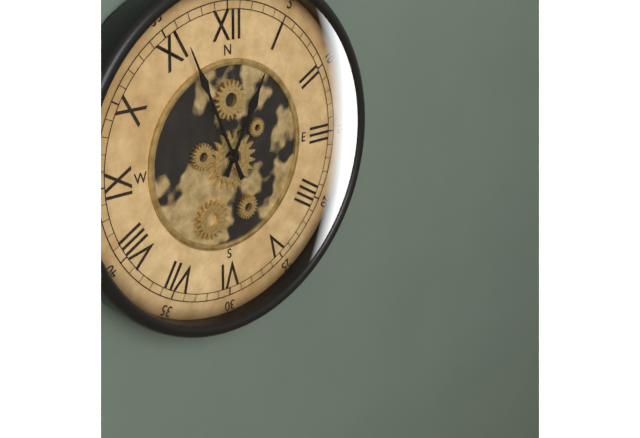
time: 12:56
